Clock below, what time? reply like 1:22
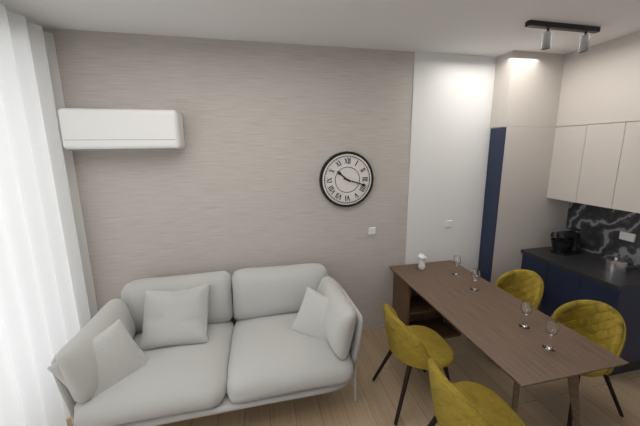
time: 10:18
